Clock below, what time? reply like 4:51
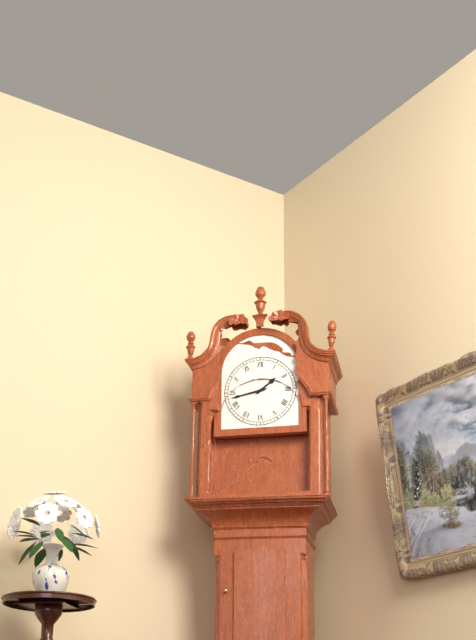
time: 1:43
